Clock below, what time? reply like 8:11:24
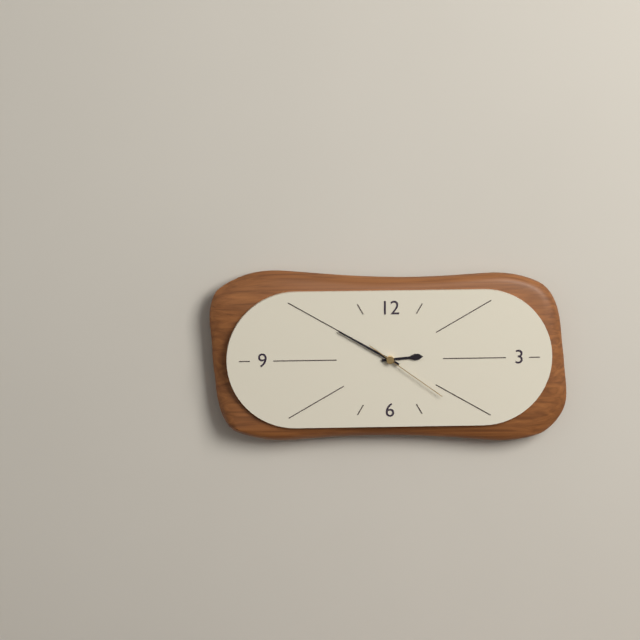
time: 2:50:21
